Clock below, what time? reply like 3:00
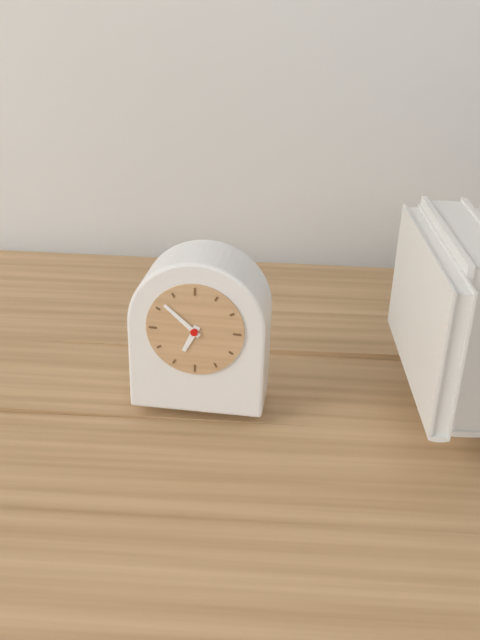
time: 6:52
